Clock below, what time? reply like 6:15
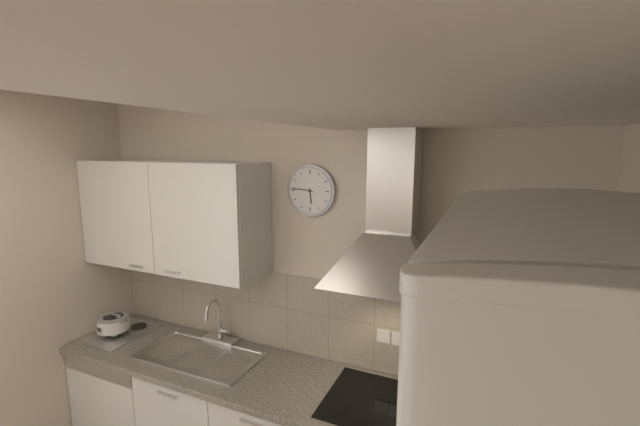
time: 5:46
